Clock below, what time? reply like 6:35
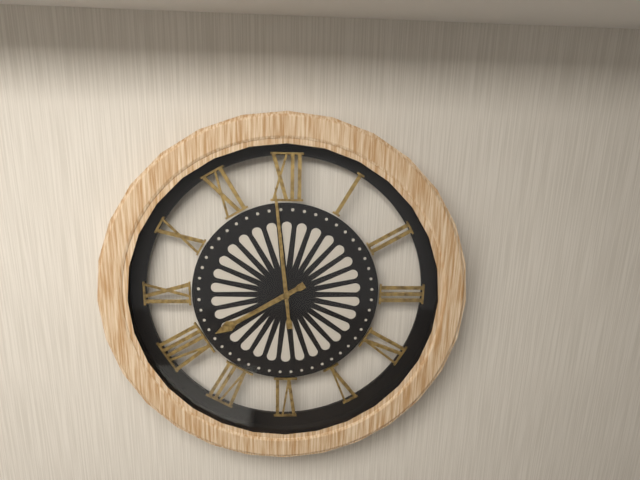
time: 7:59
